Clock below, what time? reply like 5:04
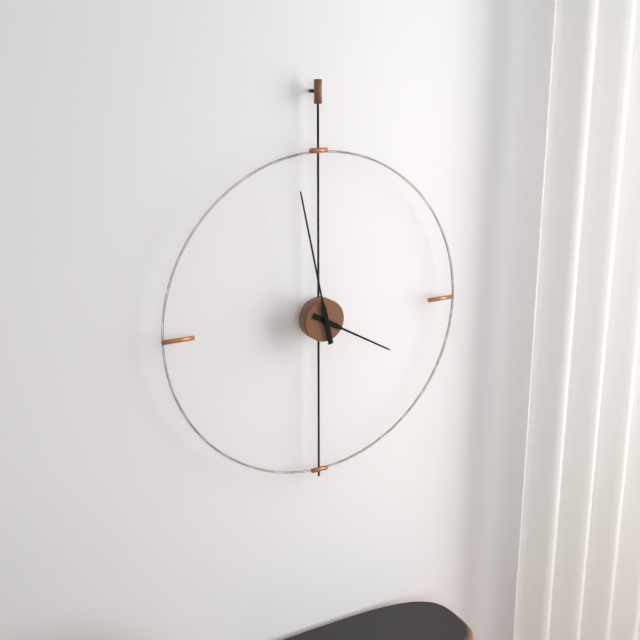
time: 3:58
